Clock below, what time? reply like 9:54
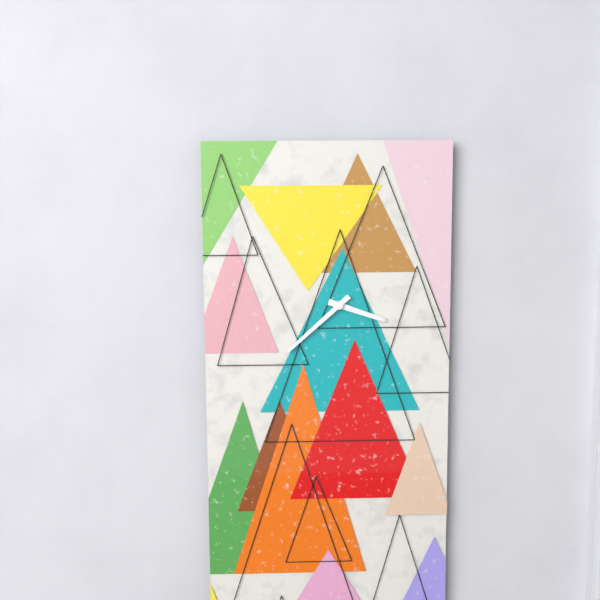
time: 3:38
